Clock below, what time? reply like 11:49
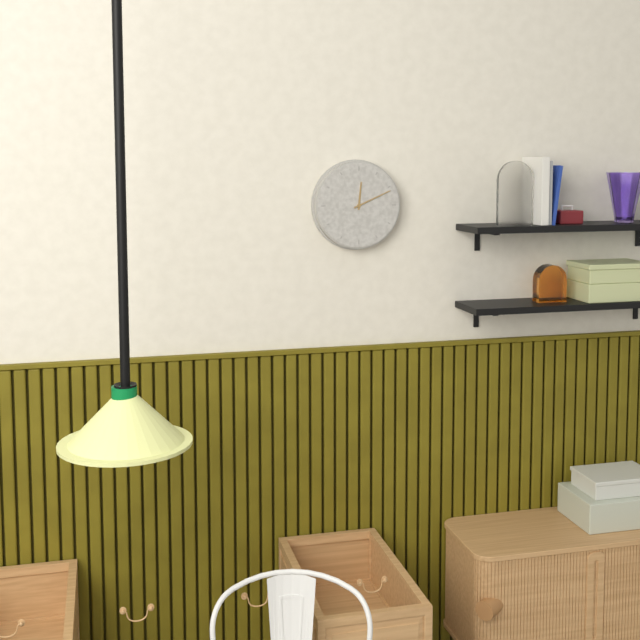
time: 12:11
